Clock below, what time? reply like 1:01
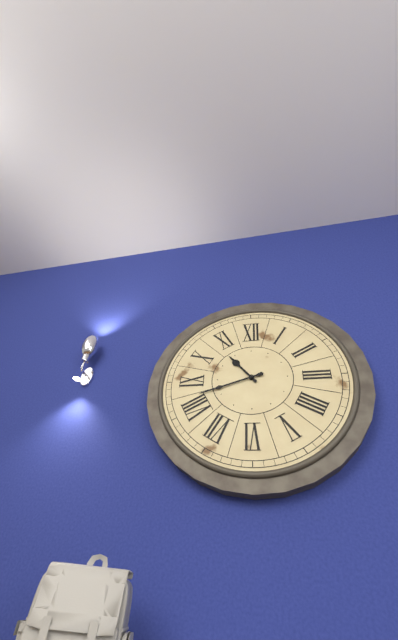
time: 10:42
